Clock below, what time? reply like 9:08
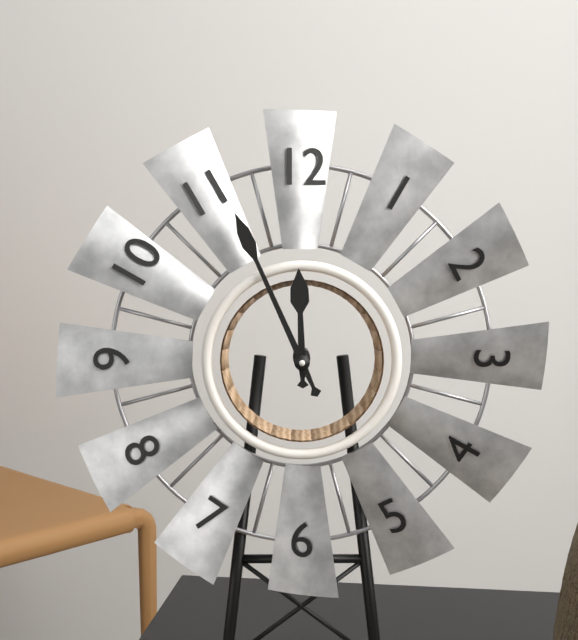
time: 11:56
